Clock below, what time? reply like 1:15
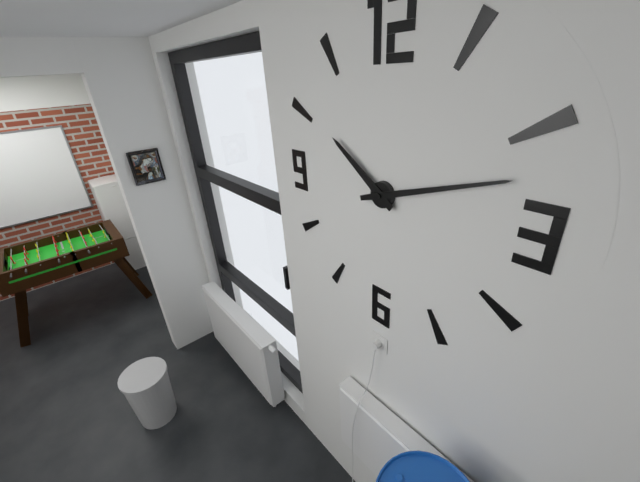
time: 10:12
